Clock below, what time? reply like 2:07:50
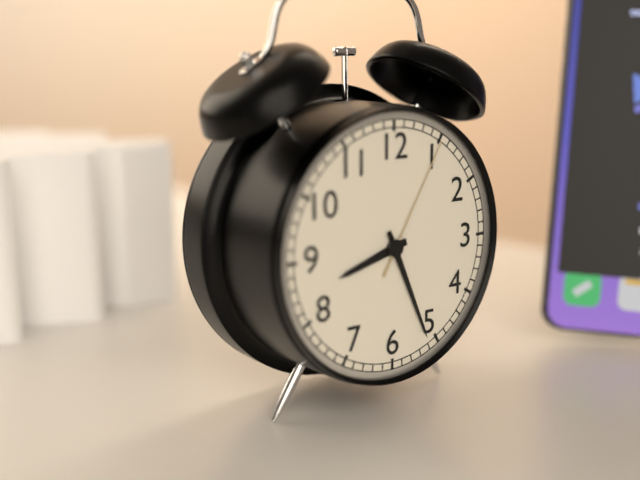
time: 8:26:05
